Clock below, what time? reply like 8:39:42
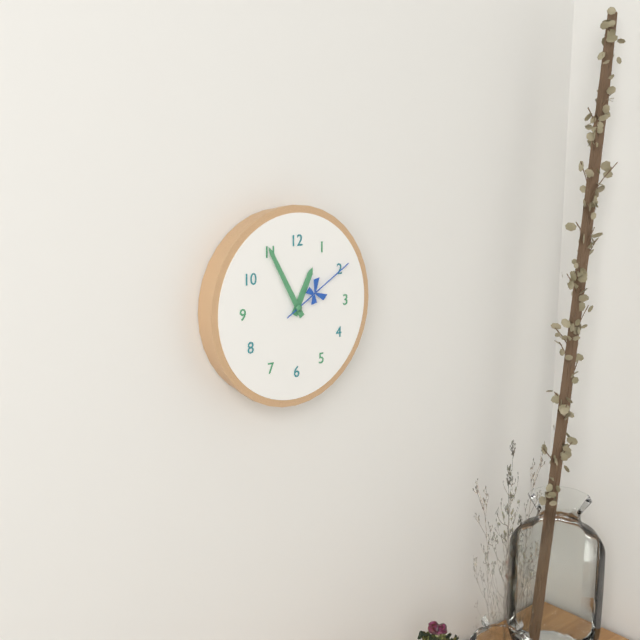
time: 12:55:10
